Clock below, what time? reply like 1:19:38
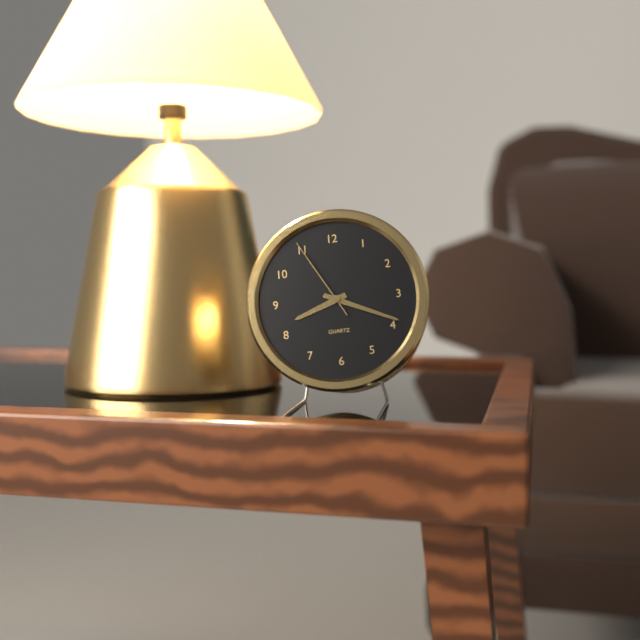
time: 8:19:55
